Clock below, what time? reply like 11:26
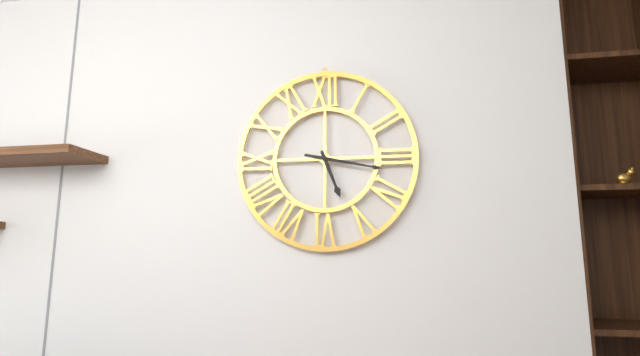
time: 5:17
